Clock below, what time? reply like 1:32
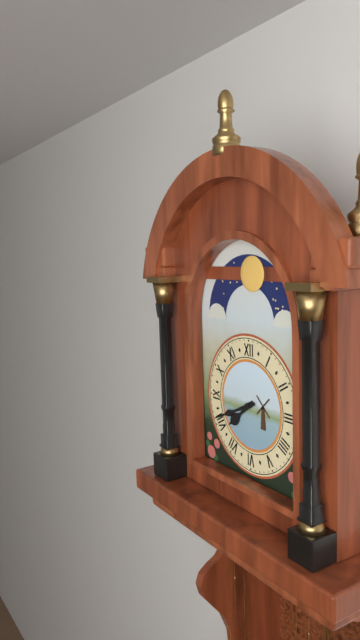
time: 7:41
